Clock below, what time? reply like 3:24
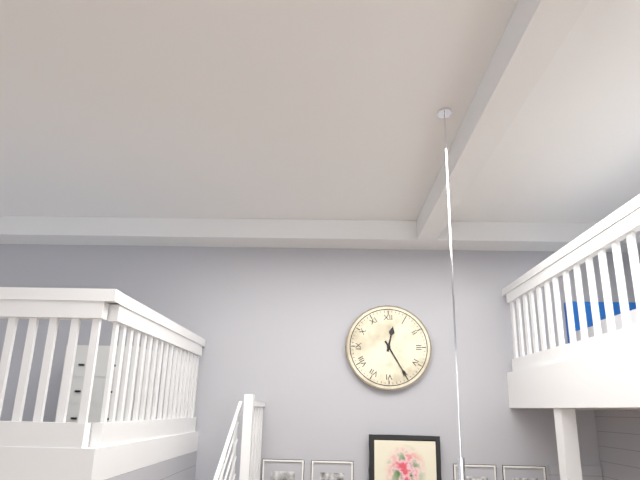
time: 12:25
